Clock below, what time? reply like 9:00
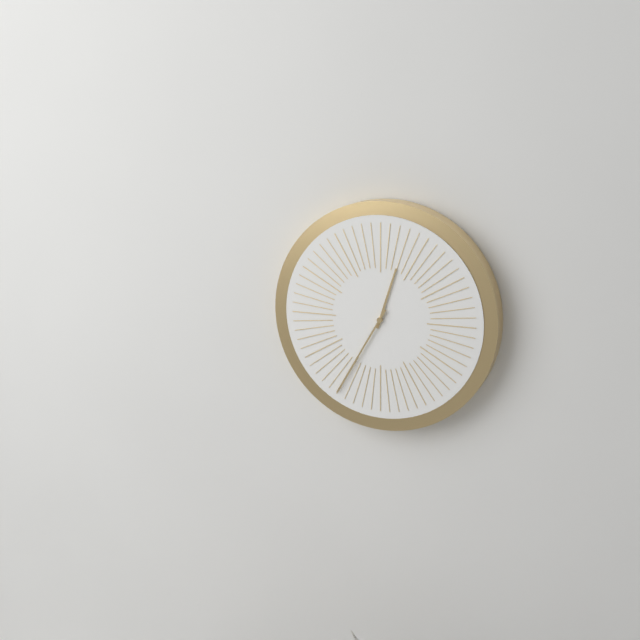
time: 12:35
